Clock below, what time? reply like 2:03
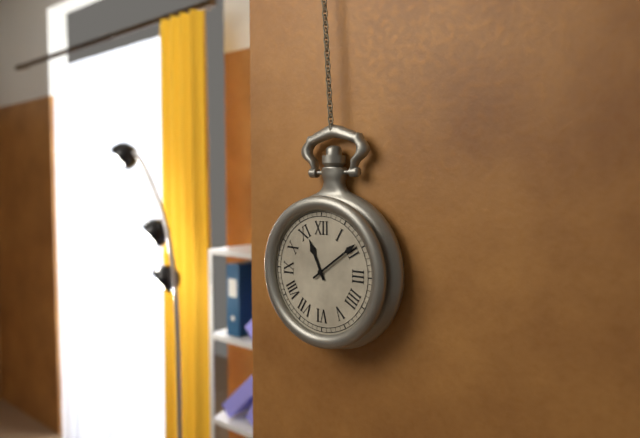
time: 11:09
